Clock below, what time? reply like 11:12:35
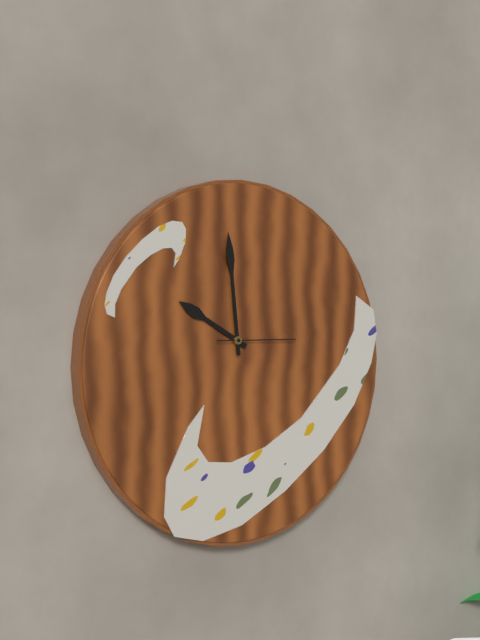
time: 9:59:15
